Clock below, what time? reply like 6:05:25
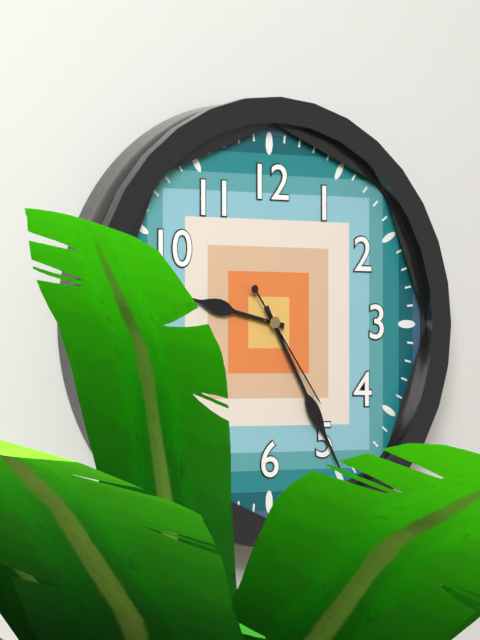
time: 9:25:24
